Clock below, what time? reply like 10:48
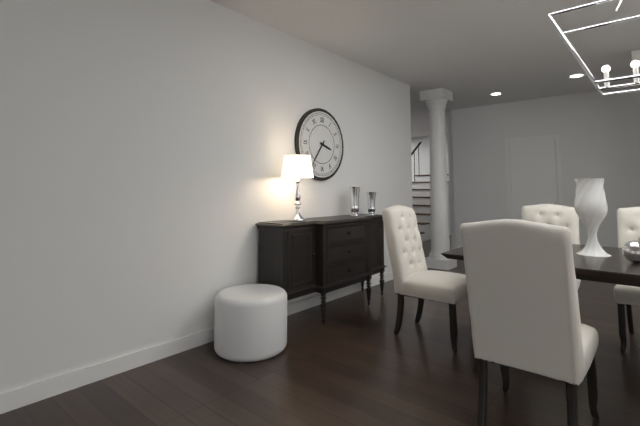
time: 3:36
